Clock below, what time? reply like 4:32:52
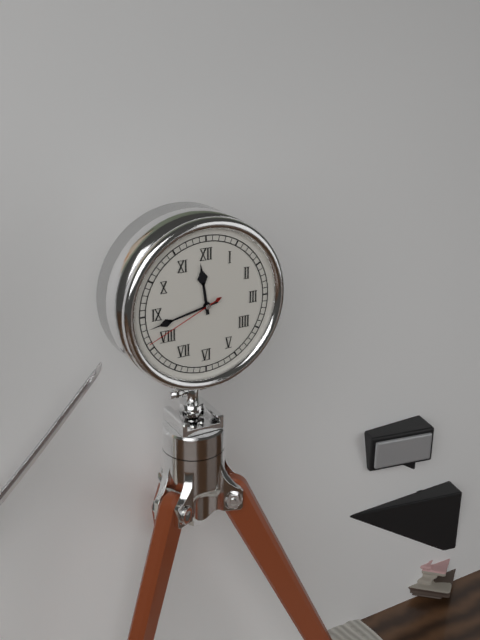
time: 11:43:41
